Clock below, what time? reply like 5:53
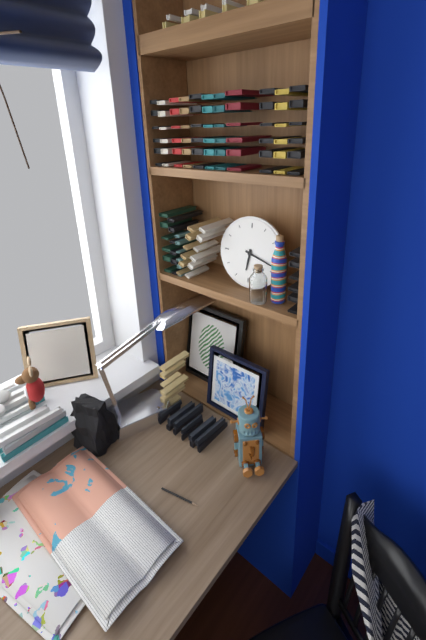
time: 6:18
